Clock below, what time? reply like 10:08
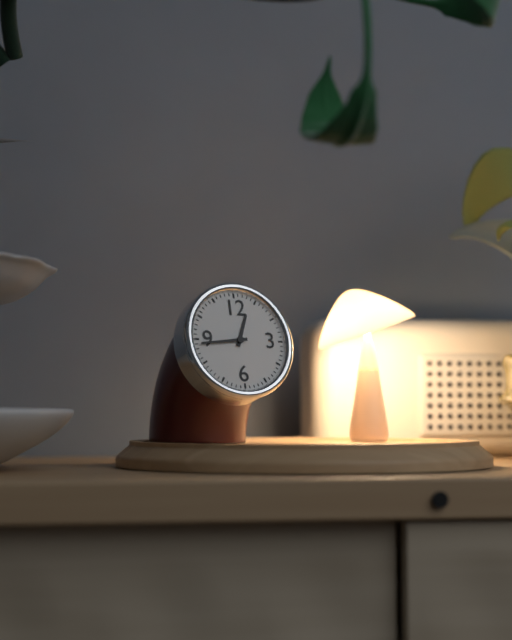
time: 12:44
